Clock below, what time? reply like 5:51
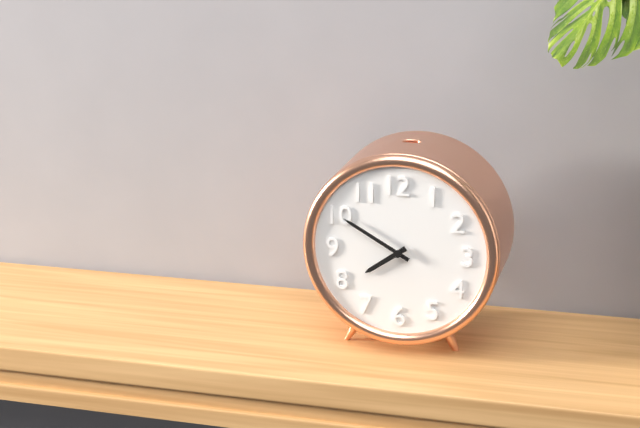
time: 7:50
